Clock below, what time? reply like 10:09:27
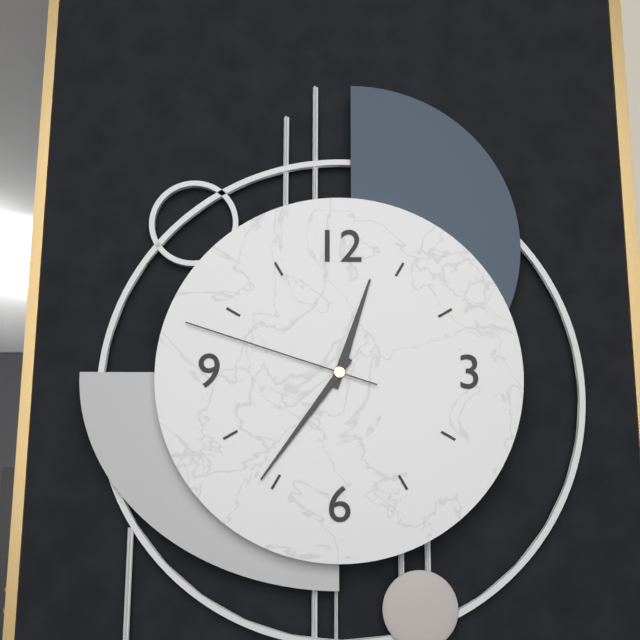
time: 12:36:48
